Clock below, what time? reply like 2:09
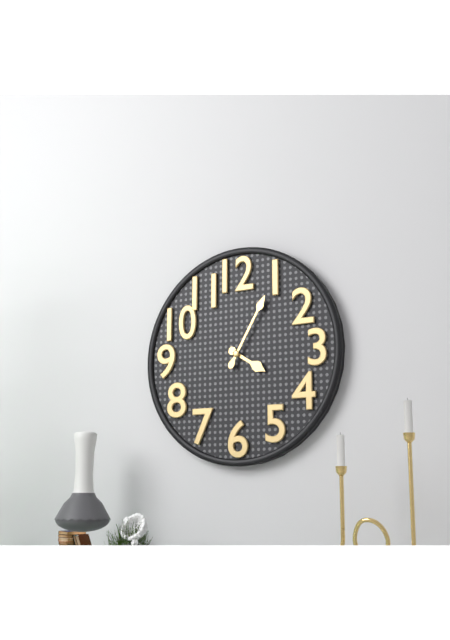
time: 4:05
